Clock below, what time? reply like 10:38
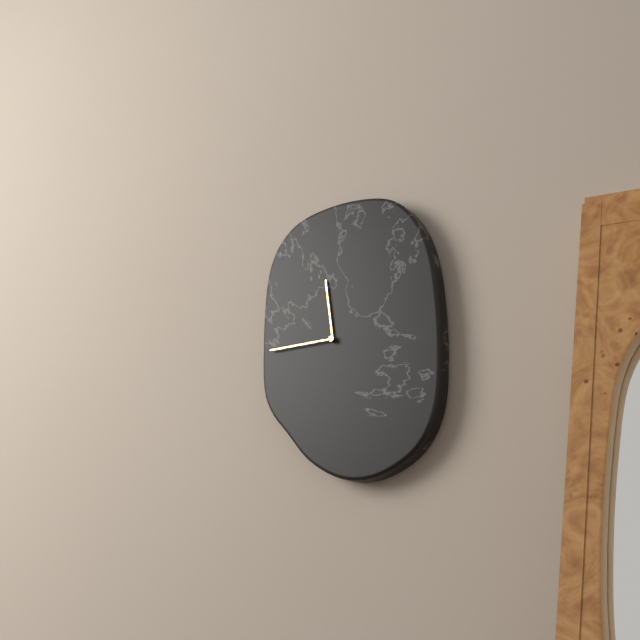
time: 11:45
